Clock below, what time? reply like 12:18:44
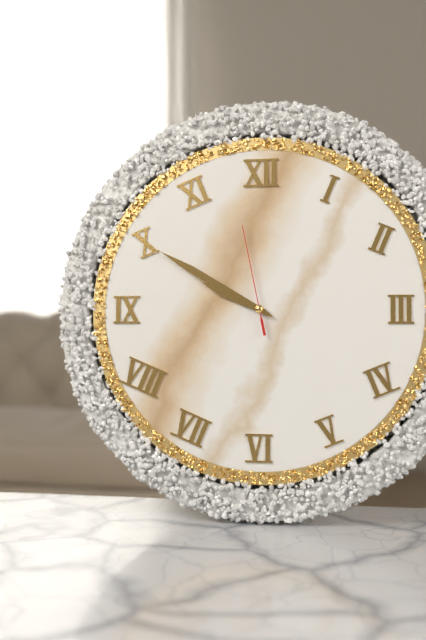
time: 9:50:58
